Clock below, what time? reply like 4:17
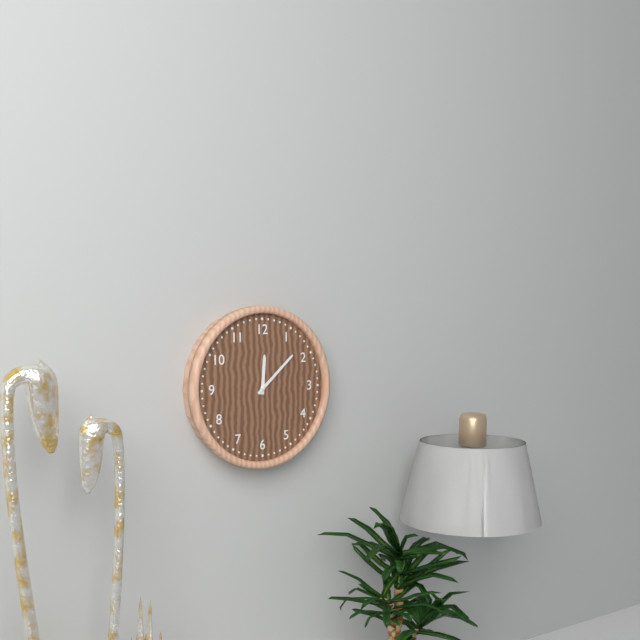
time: 12:08
